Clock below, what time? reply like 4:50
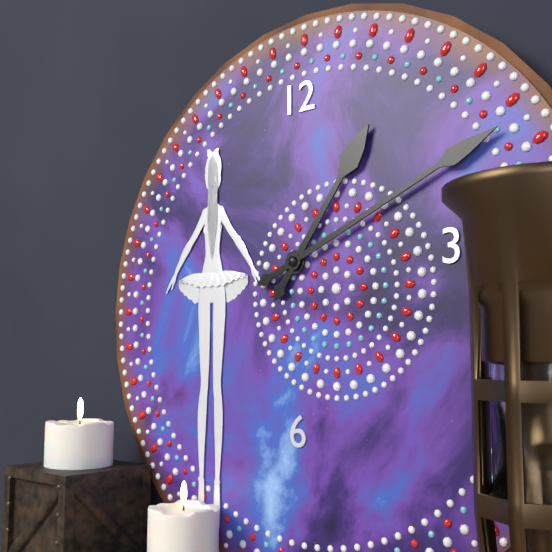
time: 1:11
